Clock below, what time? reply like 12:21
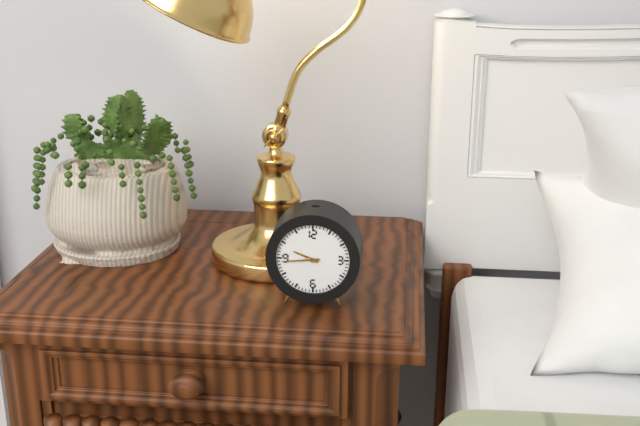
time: 9:44
